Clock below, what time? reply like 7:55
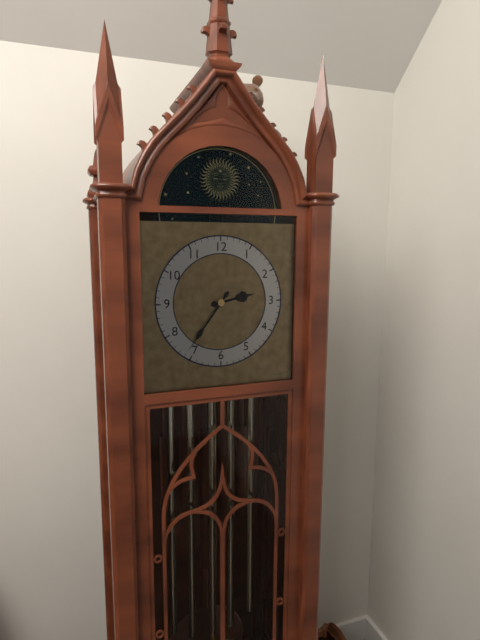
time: 2:36
